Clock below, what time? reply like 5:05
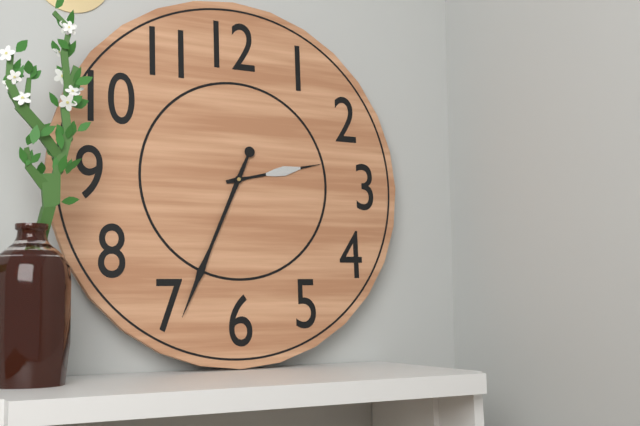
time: 2:34
